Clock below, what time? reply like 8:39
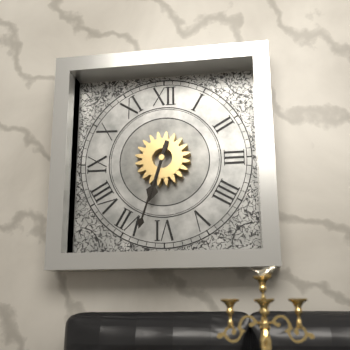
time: 6:33
